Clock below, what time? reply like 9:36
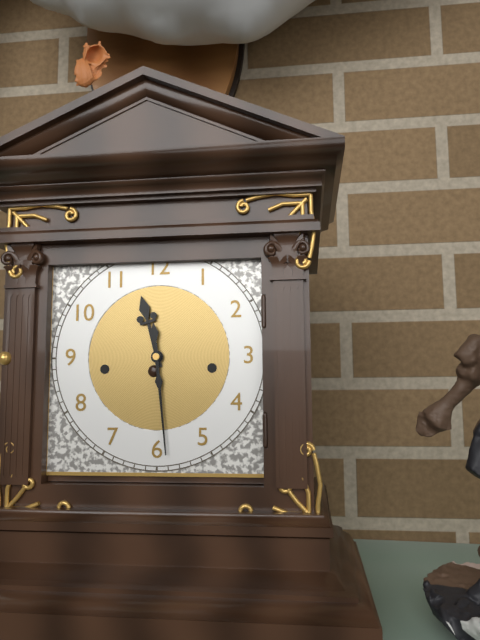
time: 11:29
